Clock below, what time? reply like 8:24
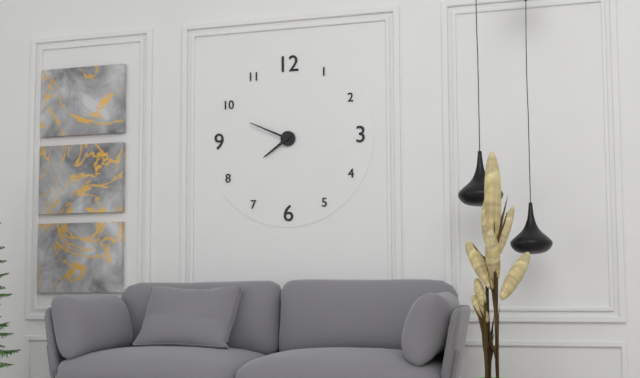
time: 7:49
